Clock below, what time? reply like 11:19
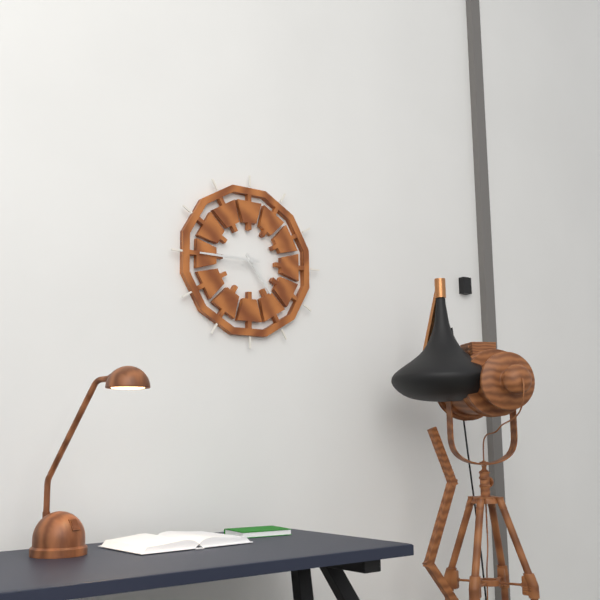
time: 4:45
